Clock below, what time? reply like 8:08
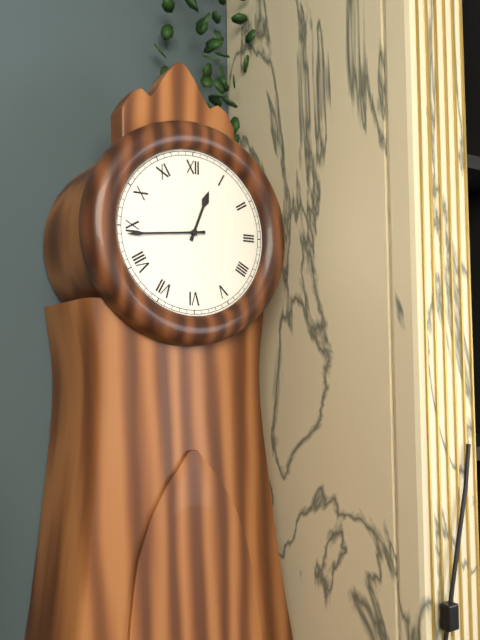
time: 12:44
